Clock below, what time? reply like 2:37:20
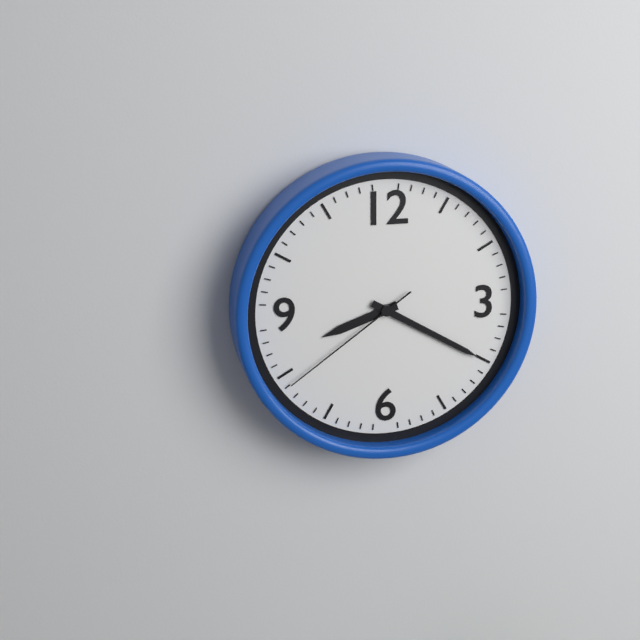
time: 8:20:39
